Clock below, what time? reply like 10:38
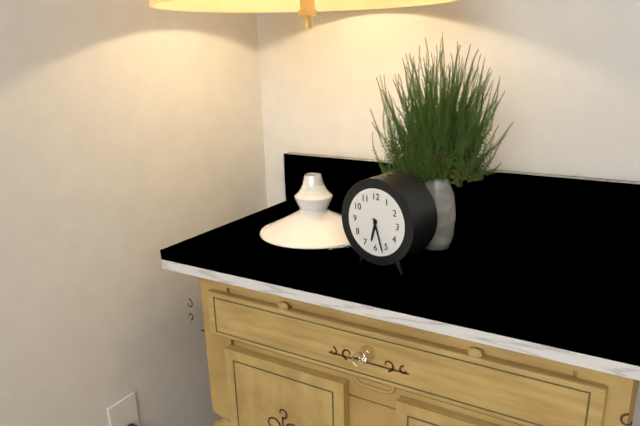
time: 6:27
